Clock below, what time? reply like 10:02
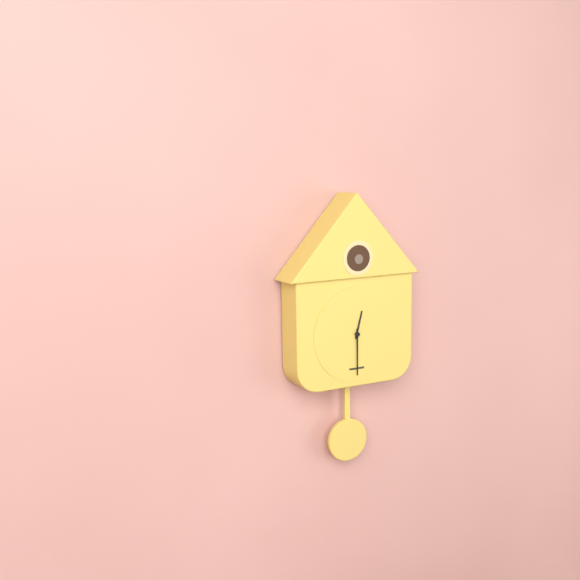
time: 12:30
